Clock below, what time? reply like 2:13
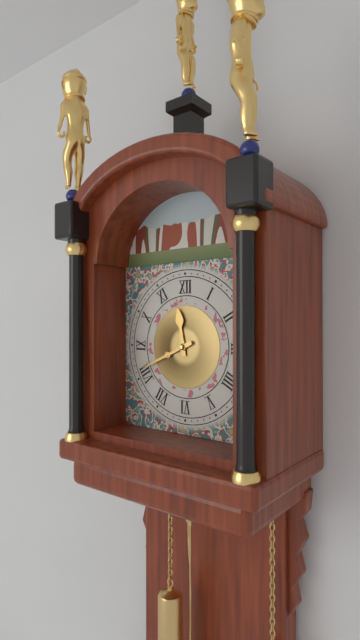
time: 11:41
